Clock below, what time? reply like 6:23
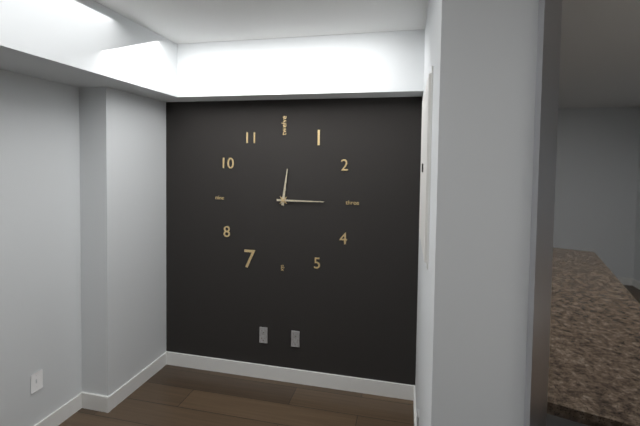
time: 12:15
